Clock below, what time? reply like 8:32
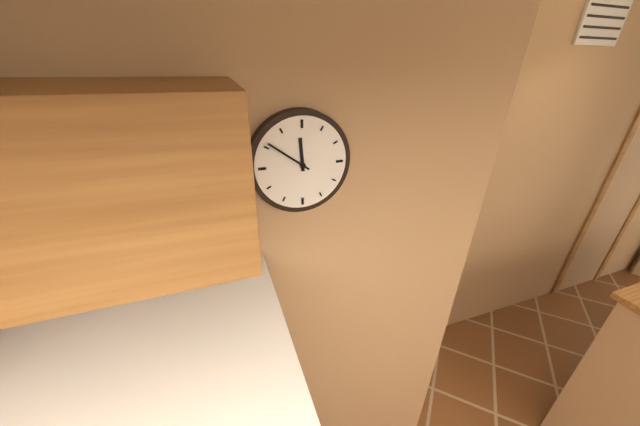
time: 11:51
